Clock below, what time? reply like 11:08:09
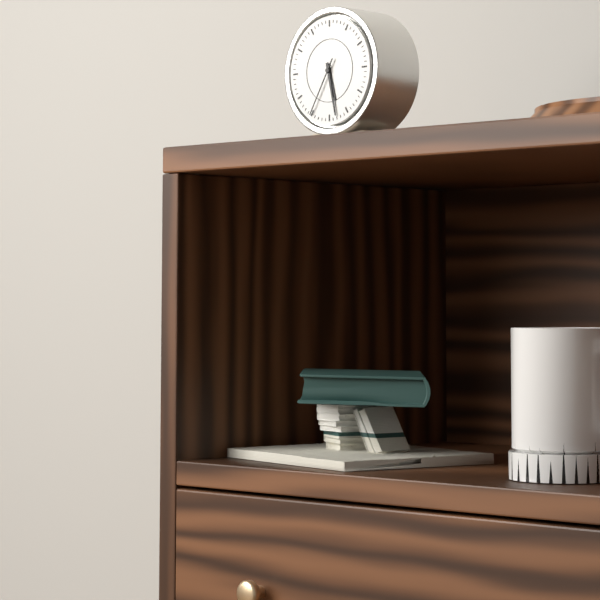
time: 5:28:35
